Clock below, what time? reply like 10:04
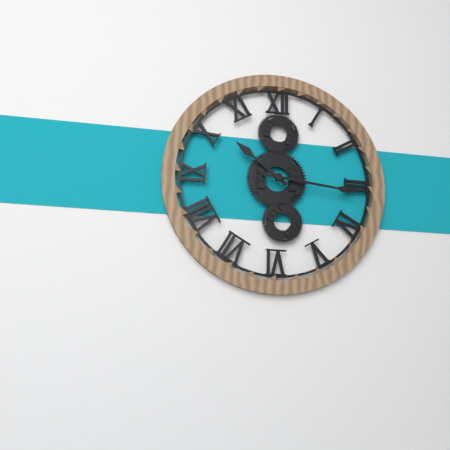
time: 10:16
